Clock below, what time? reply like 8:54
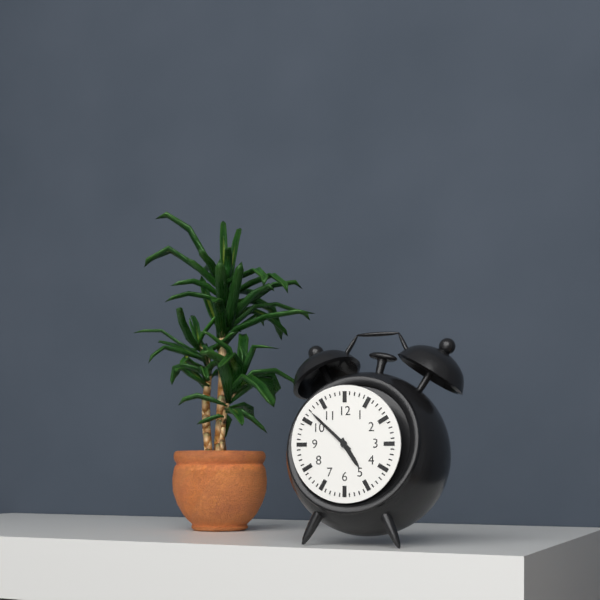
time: 4:52
